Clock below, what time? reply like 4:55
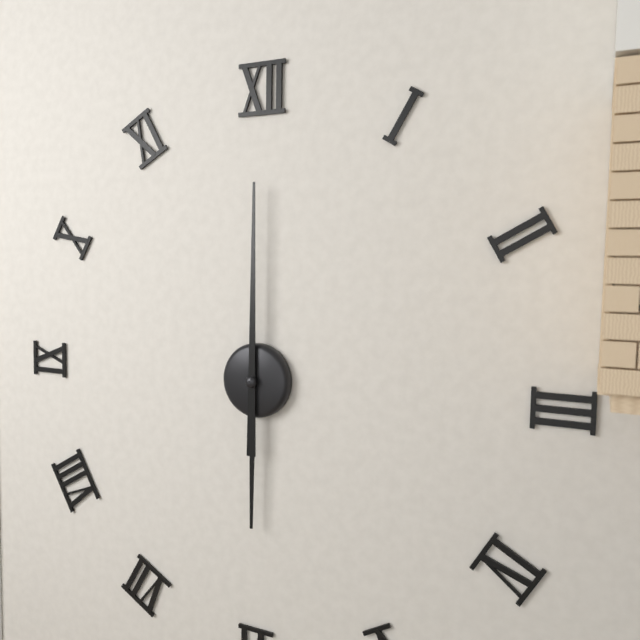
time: 6:00
